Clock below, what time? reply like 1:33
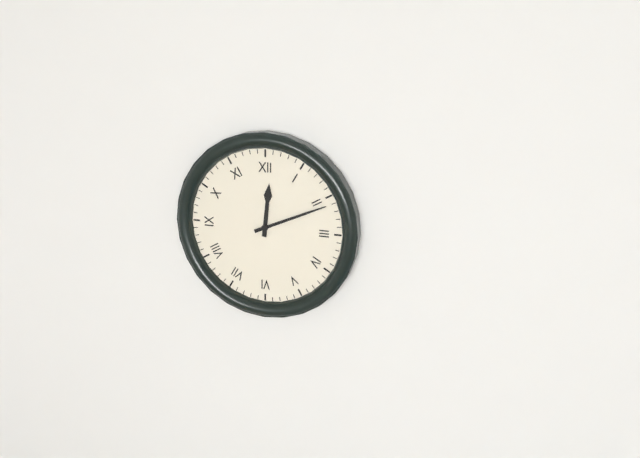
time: 12:11
